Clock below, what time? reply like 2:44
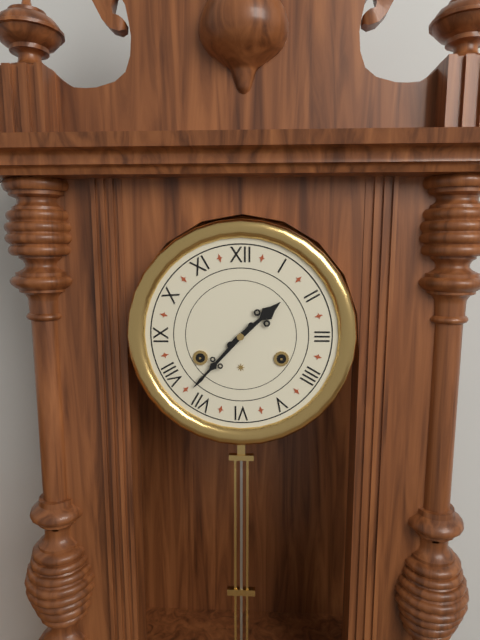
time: 1:37
